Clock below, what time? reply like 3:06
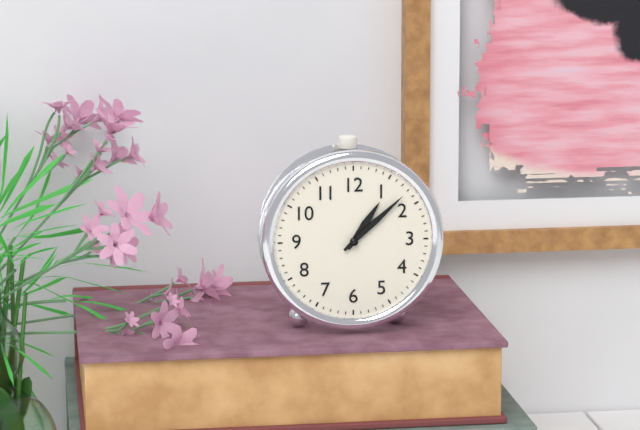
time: 1:08
